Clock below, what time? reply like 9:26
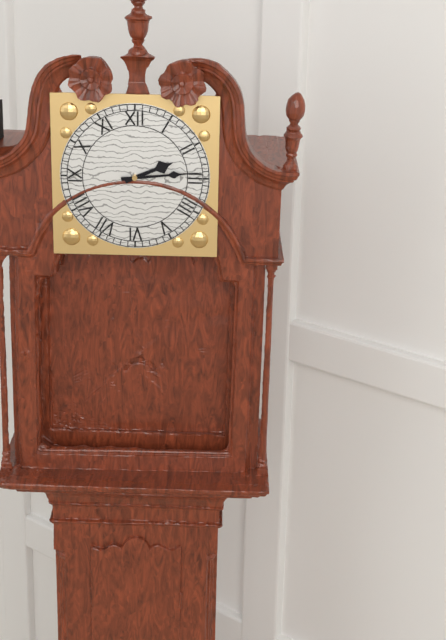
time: 2:14
